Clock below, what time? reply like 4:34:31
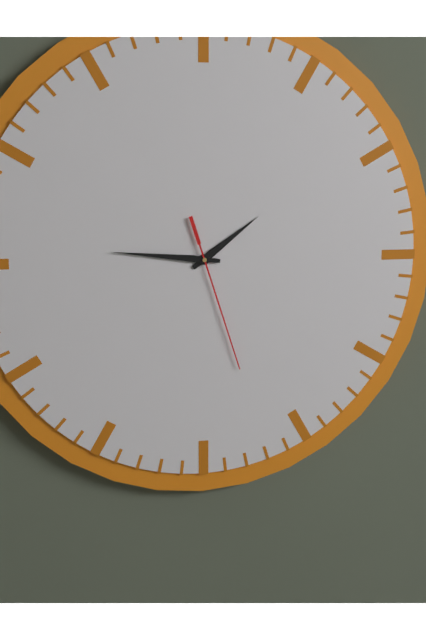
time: 1:46:27
